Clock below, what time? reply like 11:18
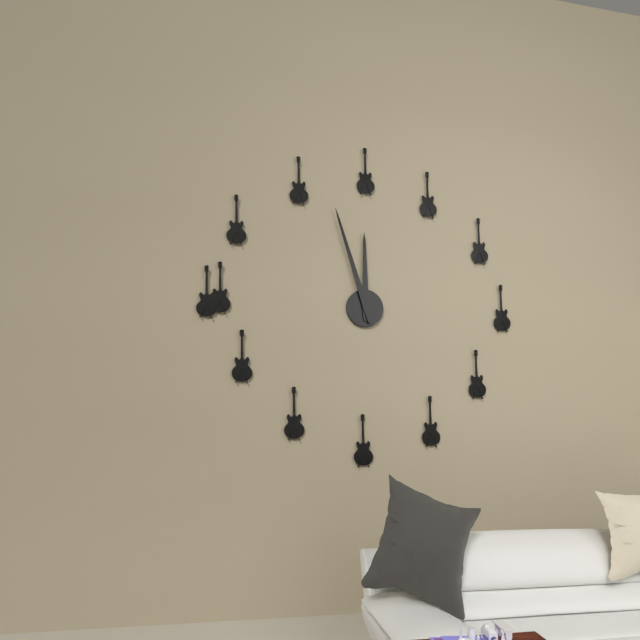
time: 11:57
